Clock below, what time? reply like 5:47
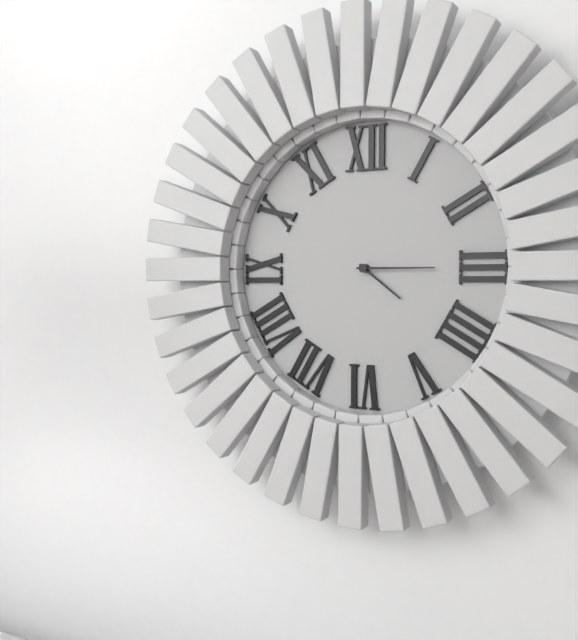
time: 4:15
